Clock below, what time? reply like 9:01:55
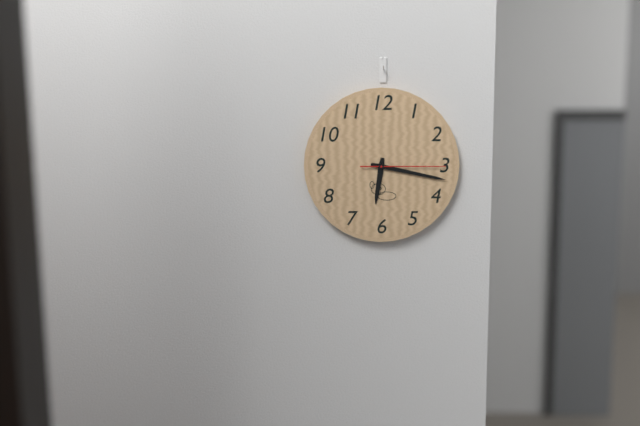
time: 6:17:15
